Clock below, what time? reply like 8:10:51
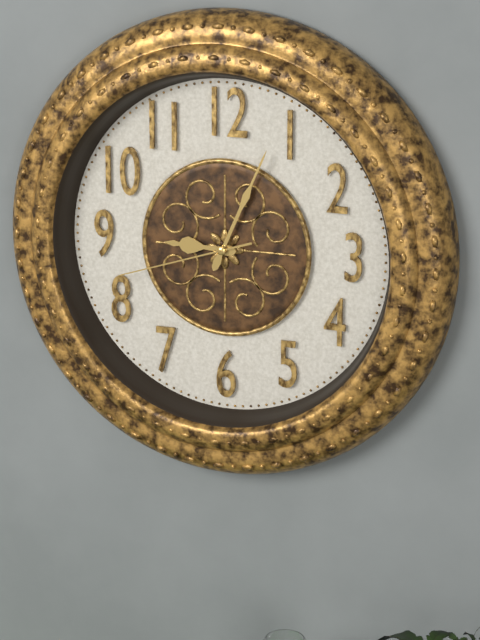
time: 9:04:42
